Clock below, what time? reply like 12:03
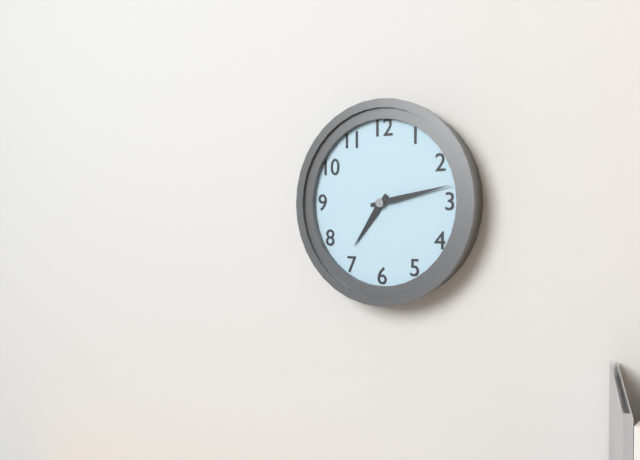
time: 7:13
